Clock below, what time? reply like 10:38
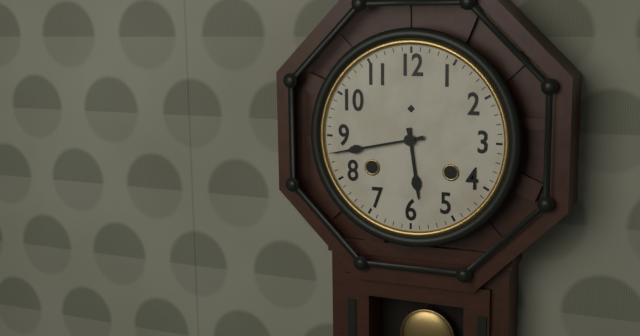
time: 5:43
